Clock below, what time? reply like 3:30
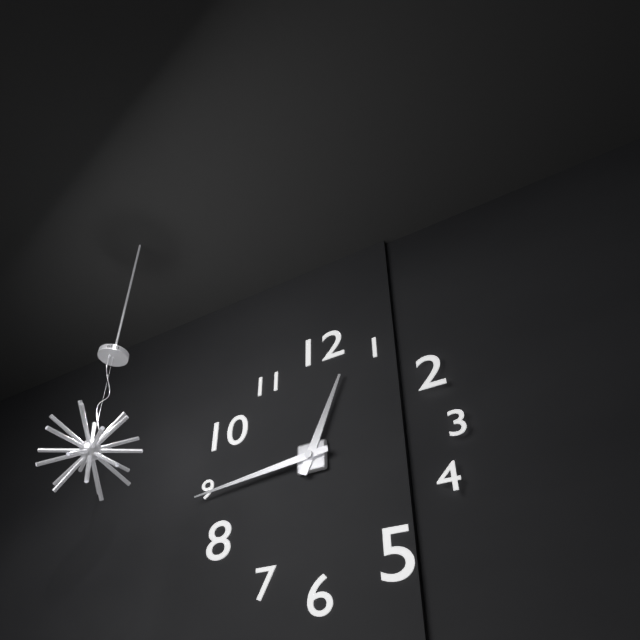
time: 12:44
